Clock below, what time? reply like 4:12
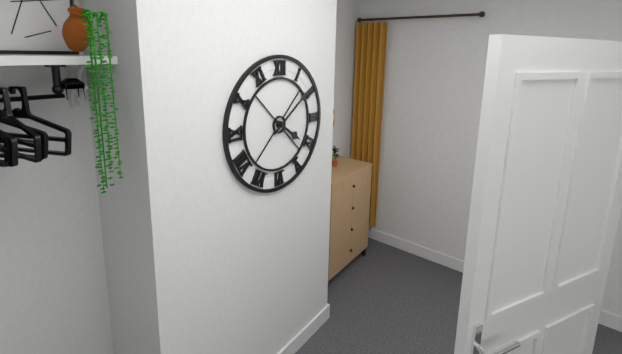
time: 4:09
